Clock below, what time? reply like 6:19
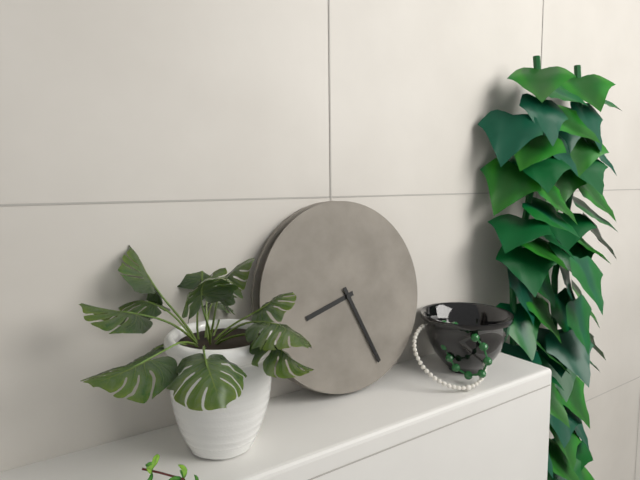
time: 8:26
